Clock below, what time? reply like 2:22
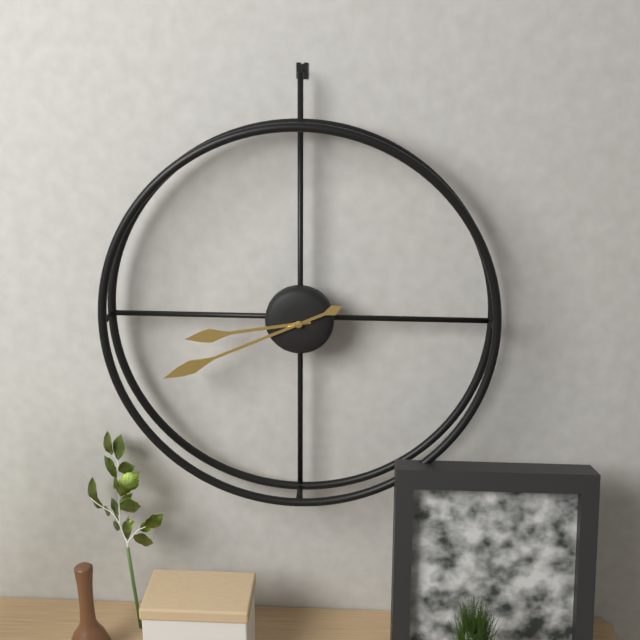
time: 8:41
